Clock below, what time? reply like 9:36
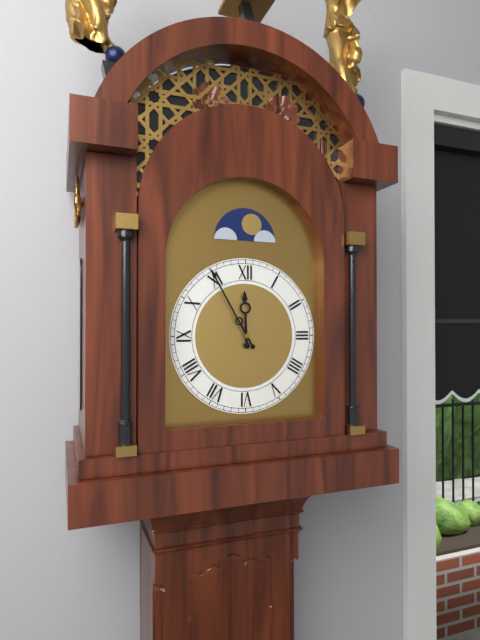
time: 11:55
